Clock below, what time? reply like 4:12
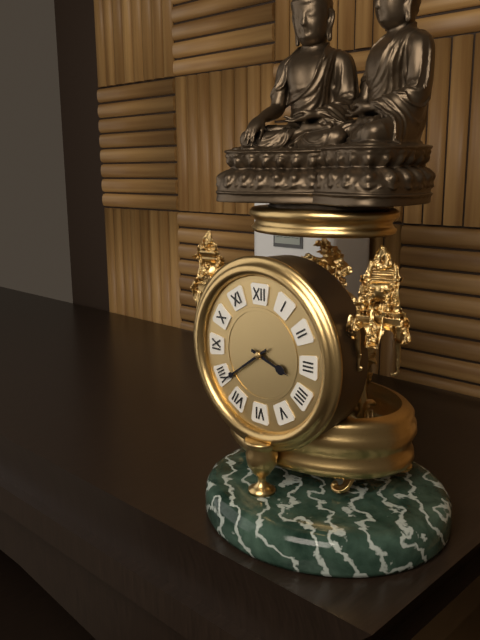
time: 3:39
